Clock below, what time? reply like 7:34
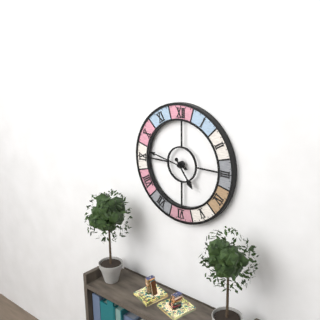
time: 4:47
